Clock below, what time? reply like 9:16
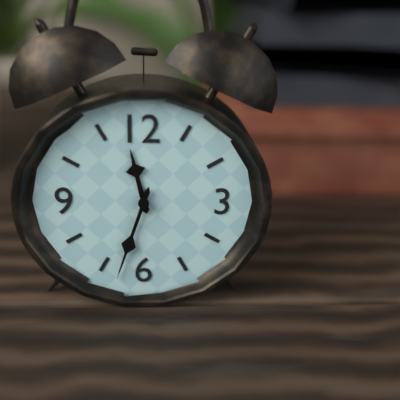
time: 11:33
